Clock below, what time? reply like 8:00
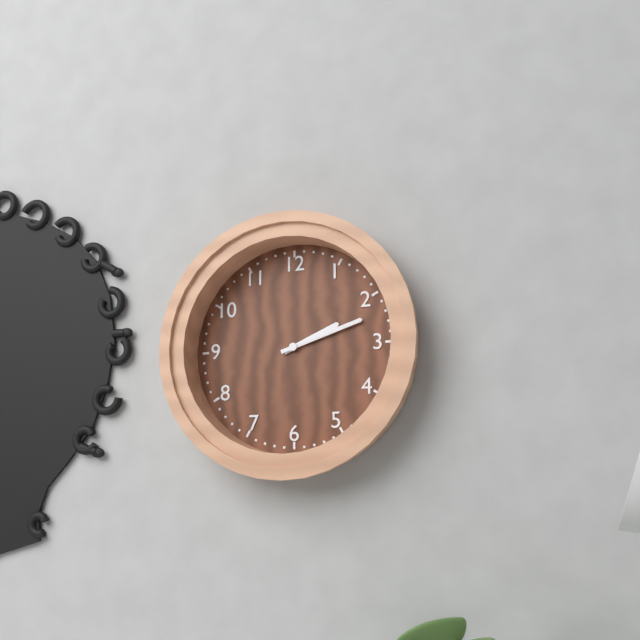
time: 2:12
